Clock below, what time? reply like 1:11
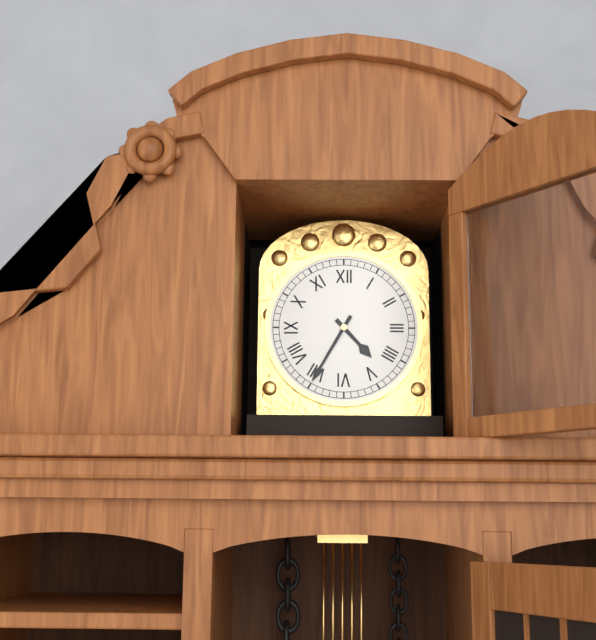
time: 4:35
